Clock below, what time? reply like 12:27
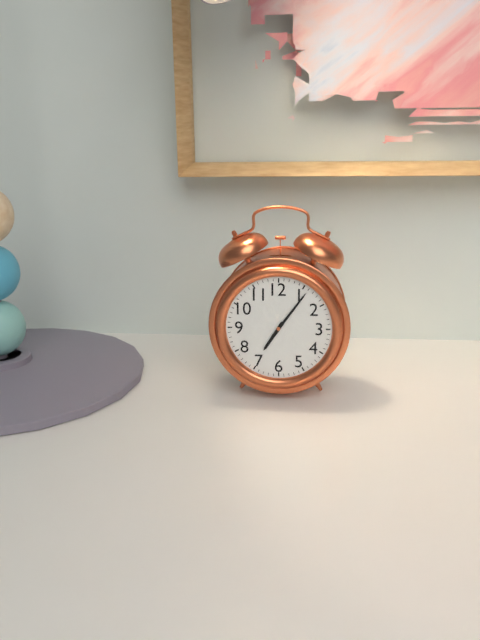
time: 7:06
